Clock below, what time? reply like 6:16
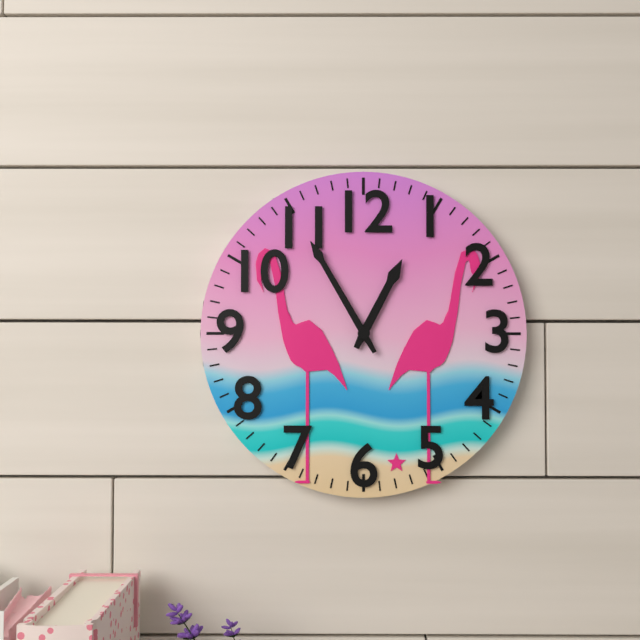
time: 12:55
